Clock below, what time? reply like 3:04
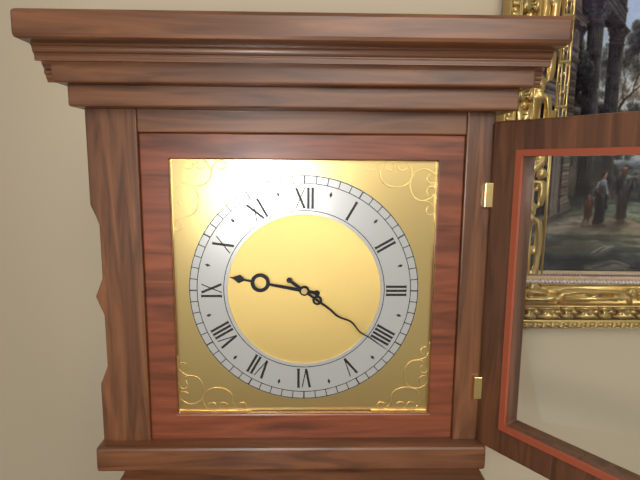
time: 9:21
